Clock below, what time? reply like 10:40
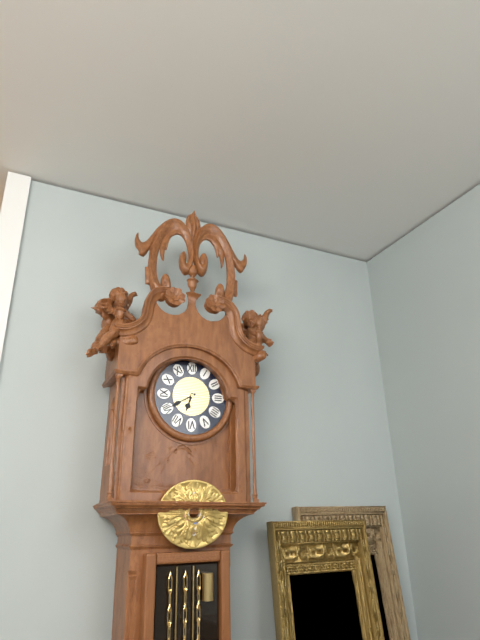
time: 6:40
